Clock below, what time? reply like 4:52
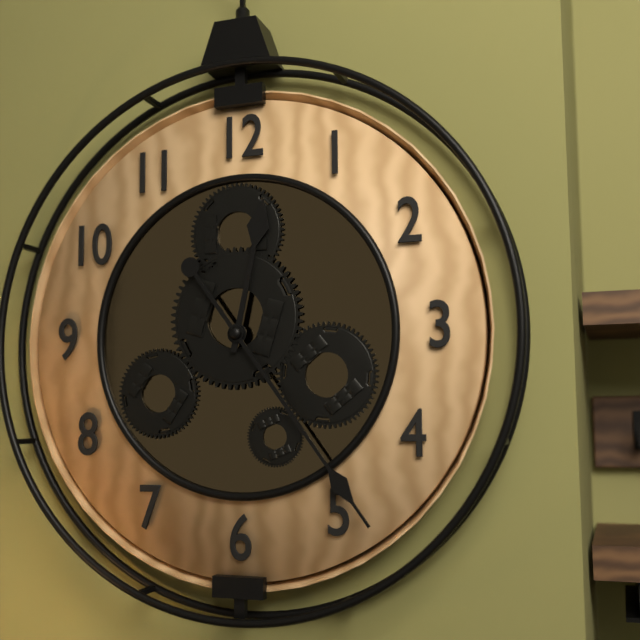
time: 12:24
